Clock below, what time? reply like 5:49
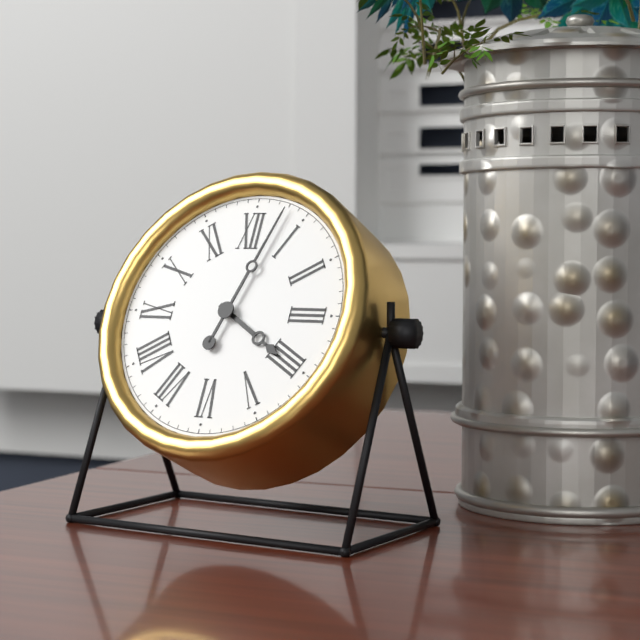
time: 4:03
